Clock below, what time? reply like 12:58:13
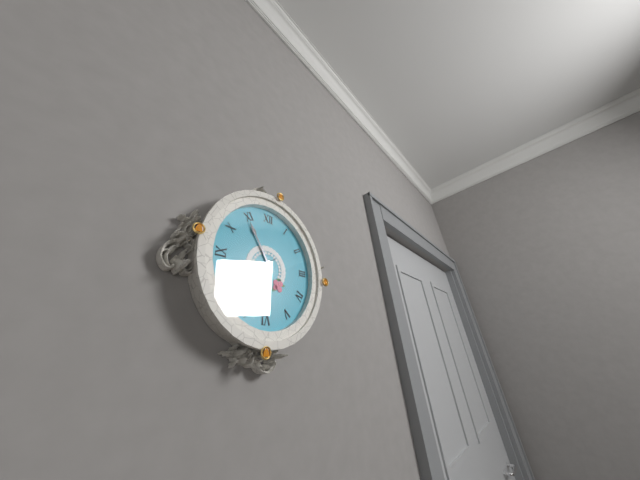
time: 6:55:38
